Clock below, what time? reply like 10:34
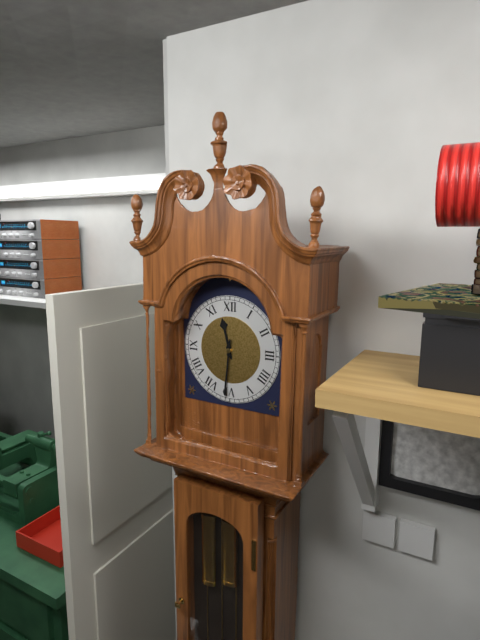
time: 11:31
